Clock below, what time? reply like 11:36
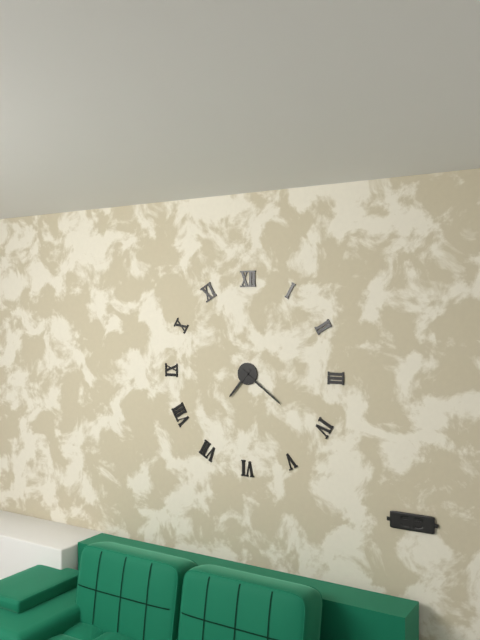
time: 7:21
